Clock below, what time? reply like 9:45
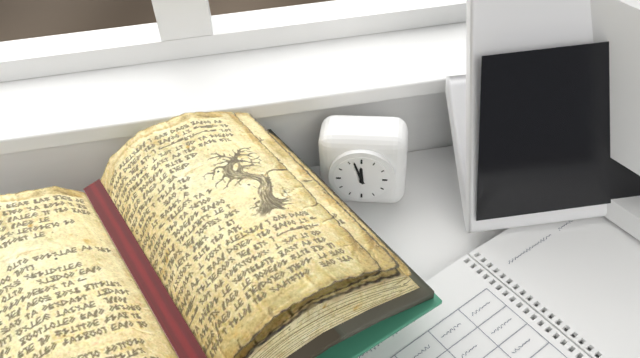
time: 11:57
